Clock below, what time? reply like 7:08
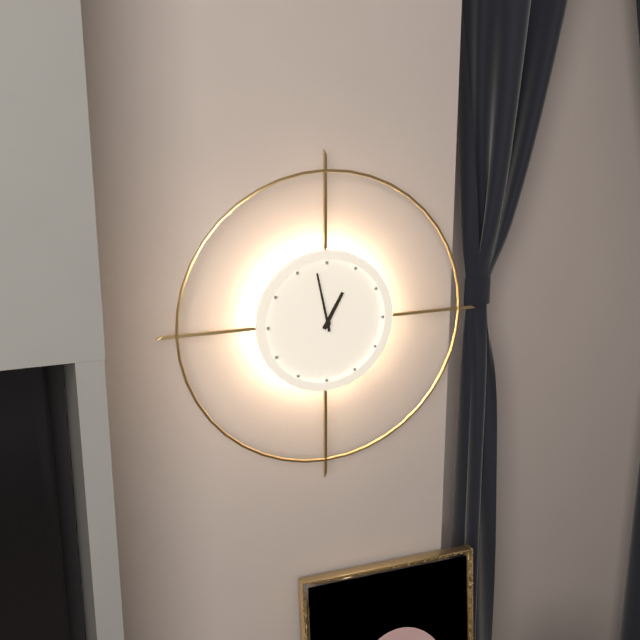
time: 12:58
